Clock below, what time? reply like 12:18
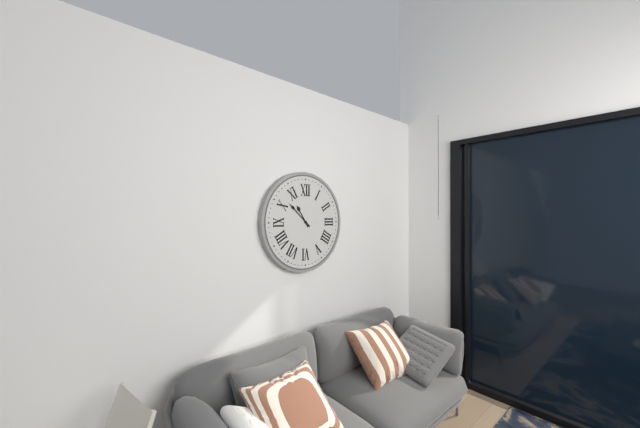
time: 10:52
